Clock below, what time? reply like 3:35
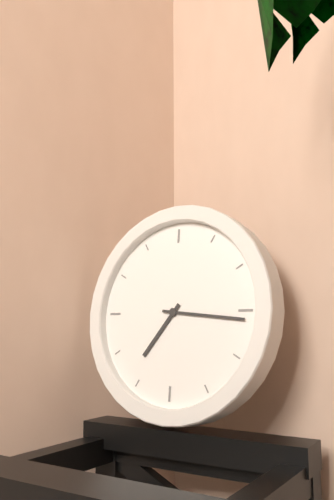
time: 7:16
